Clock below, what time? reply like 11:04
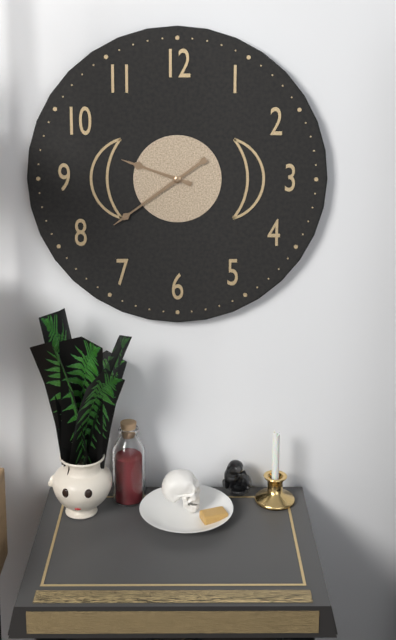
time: 9:39
